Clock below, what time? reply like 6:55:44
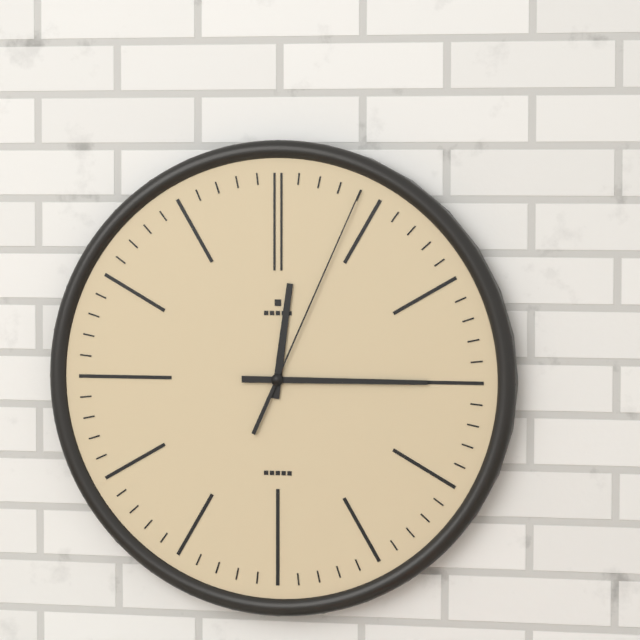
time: 12:15:04
